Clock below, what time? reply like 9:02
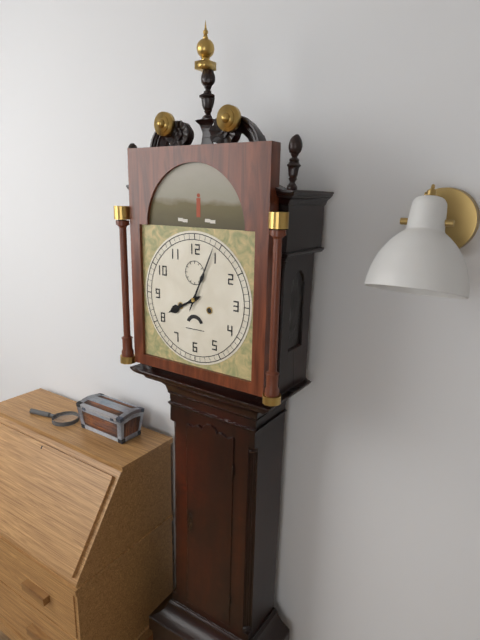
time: 8:04
